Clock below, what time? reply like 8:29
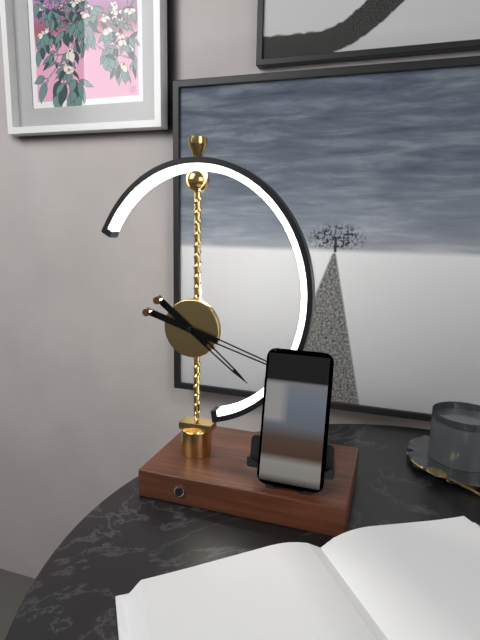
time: 4:18
